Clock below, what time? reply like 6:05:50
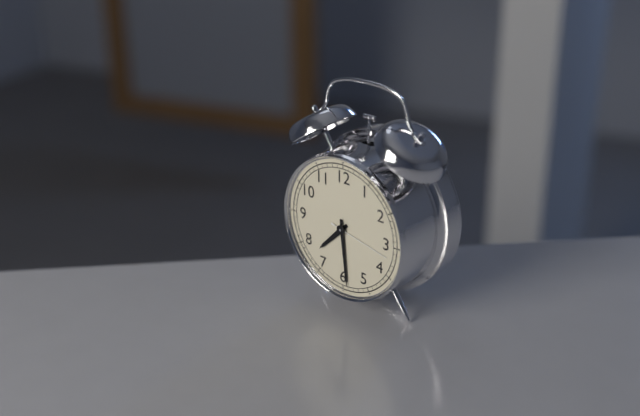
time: 7:29:17
